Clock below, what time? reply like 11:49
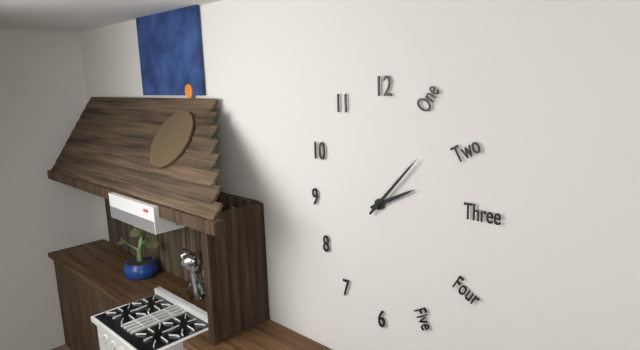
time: 2:07
